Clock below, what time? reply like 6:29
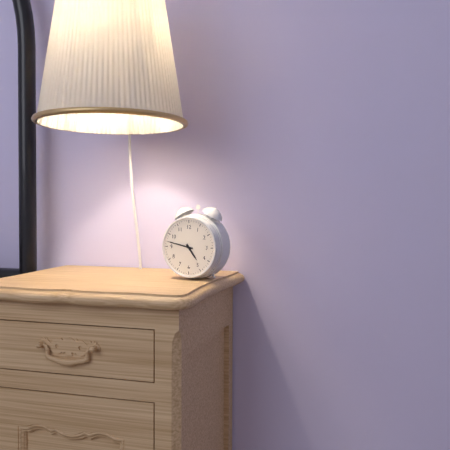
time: 4:47
